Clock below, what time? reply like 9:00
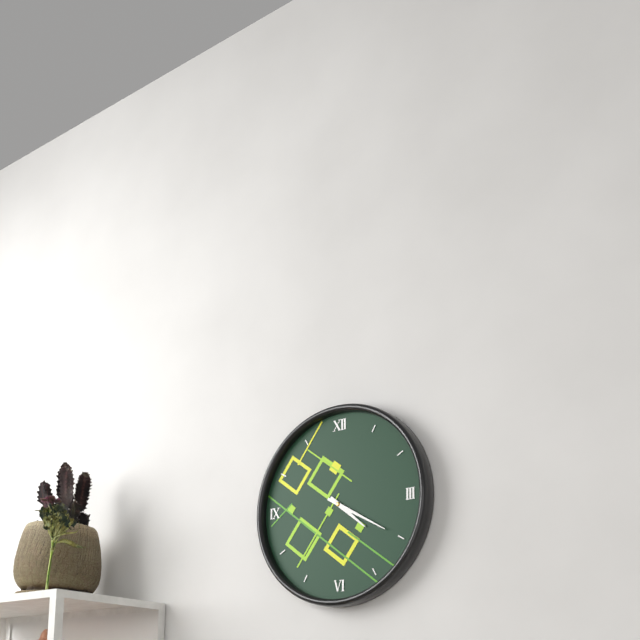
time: 4:20
